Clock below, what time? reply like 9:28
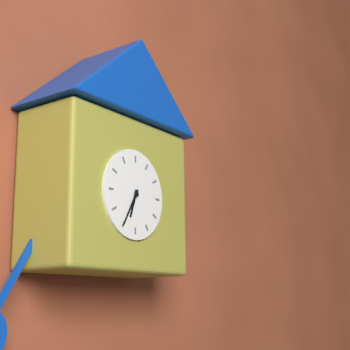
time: 6:35
